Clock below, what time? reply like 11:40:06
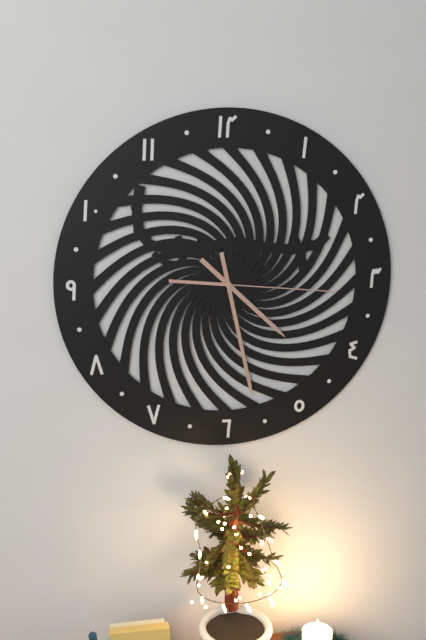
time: 4:28:16
